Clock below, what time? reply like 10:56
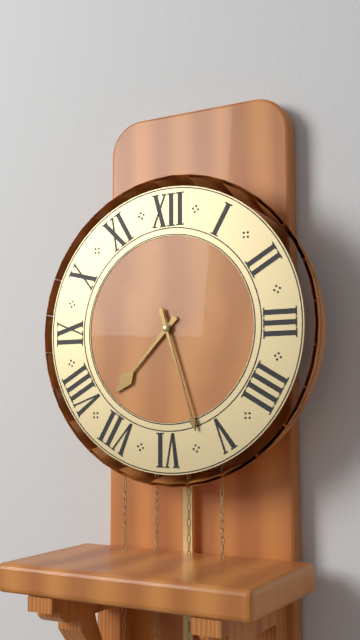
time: 7:27
